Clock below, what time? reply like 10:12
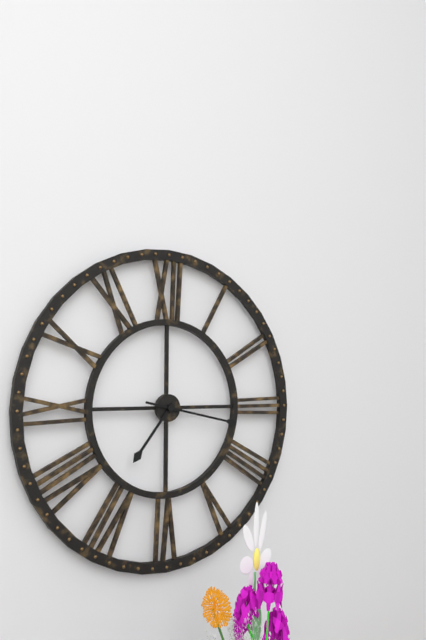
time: 7:17
